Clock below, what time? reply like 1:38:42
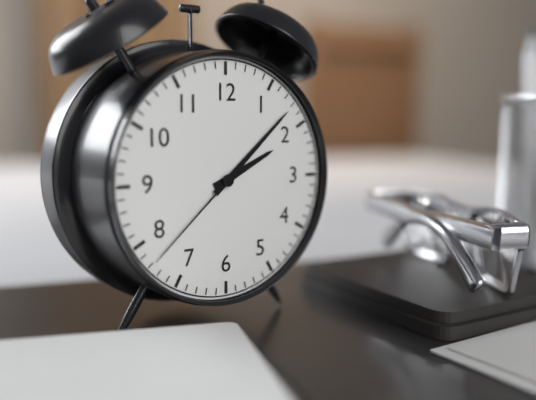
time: 2:08:38
